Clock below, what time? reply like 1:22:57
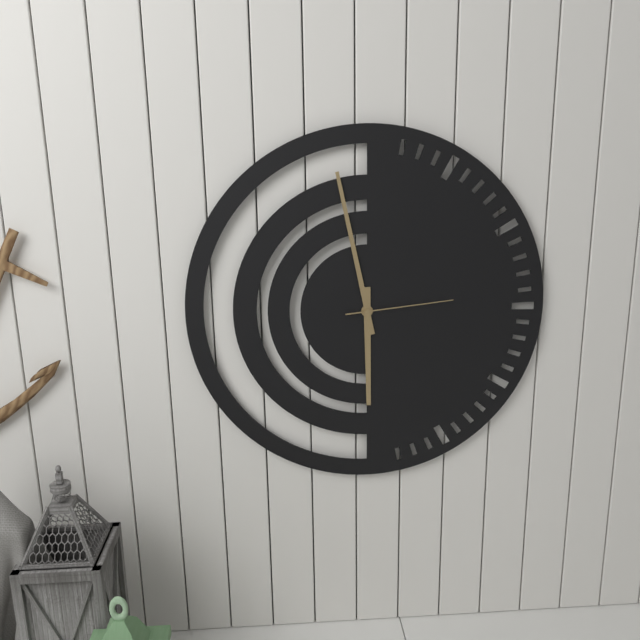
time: 5:58:14
